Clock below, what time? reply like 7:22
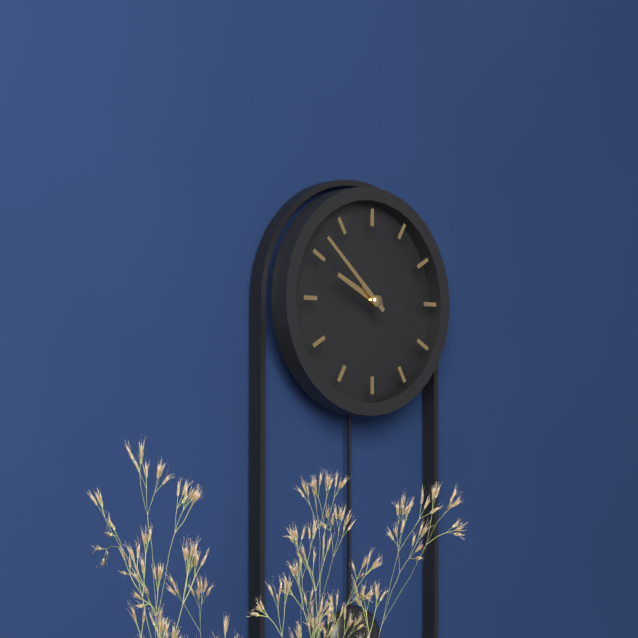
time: 9:52
